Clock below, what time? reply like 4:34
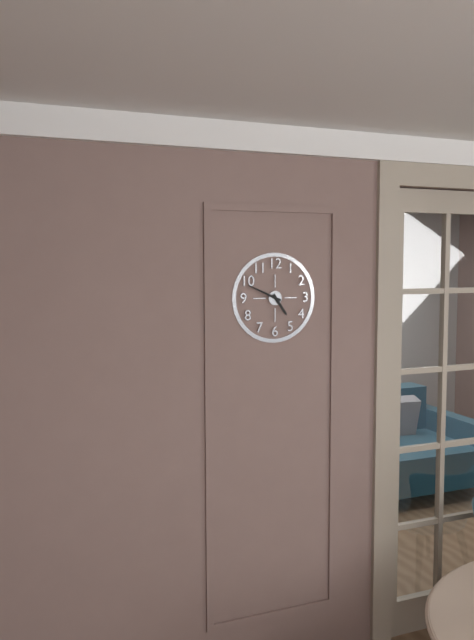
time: 4:49
